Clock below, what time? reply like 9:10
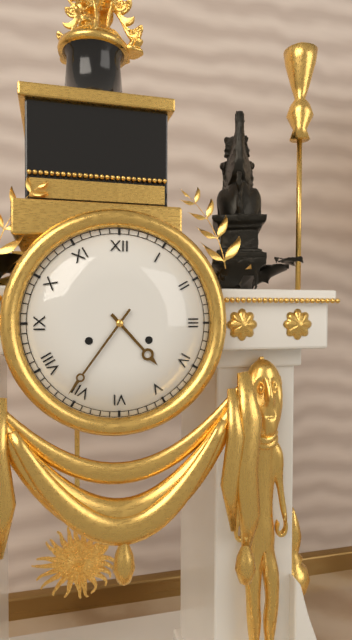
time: 4:36
